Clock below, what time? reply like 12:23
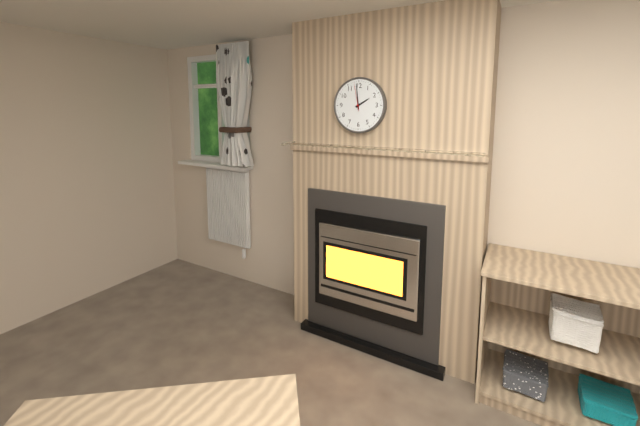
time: 1:59
